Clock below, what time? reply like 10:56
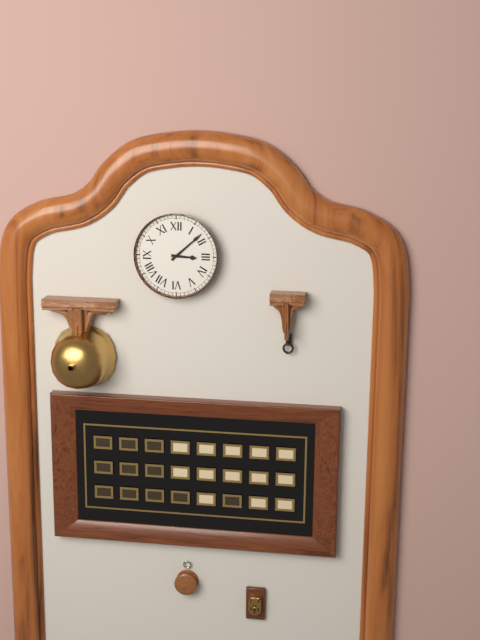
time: 3:08
